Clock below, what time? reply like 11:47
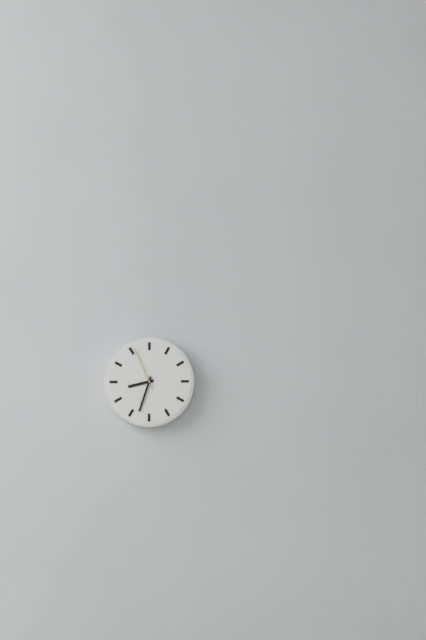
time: 8:33
